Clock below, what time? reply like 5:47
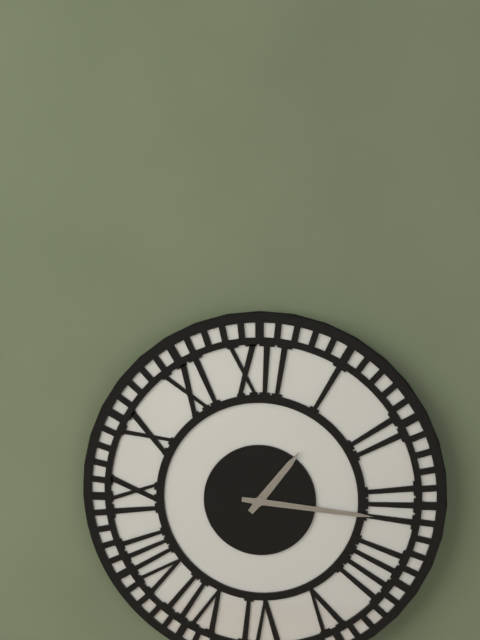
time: 1:16
